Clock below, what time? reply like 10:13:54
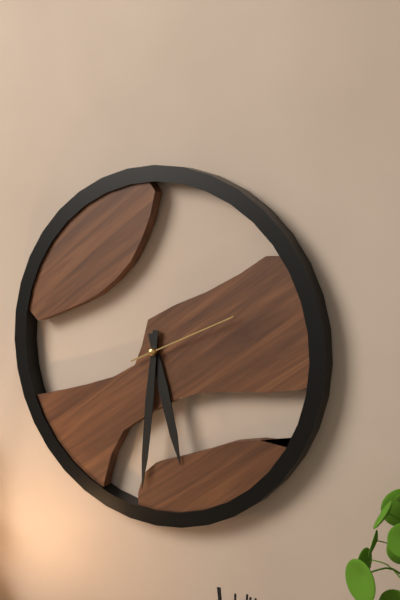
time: 5:31:11
